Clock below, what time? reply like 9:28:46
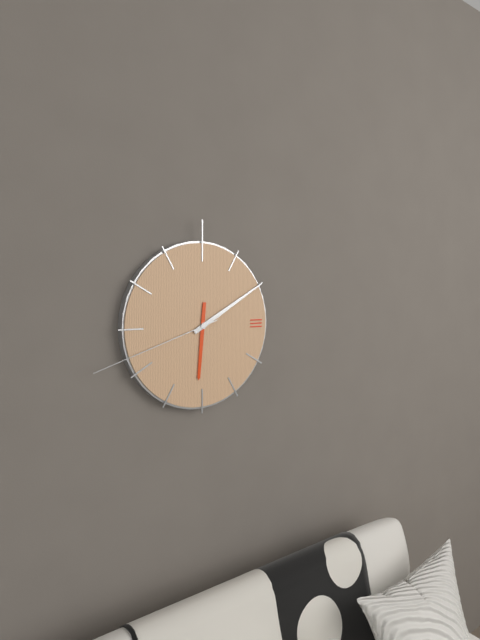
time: 6:10:42
